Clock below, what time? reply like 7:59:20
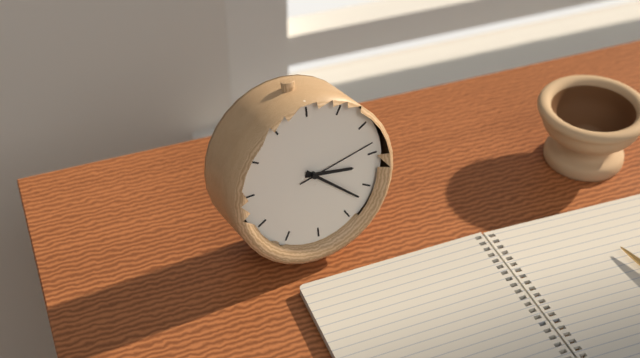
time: 3:22:13
